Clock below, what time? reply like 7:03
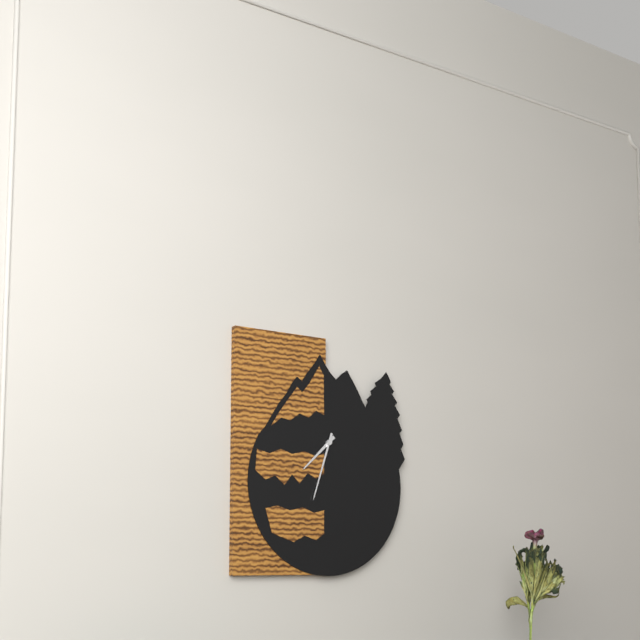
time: 7:33
